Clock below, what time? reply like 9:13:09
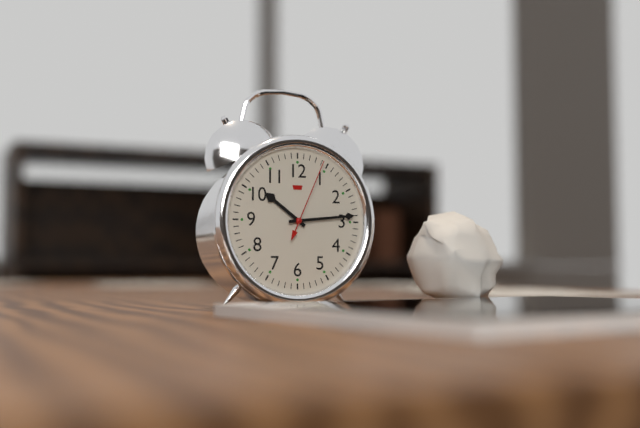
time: 10:14:04
